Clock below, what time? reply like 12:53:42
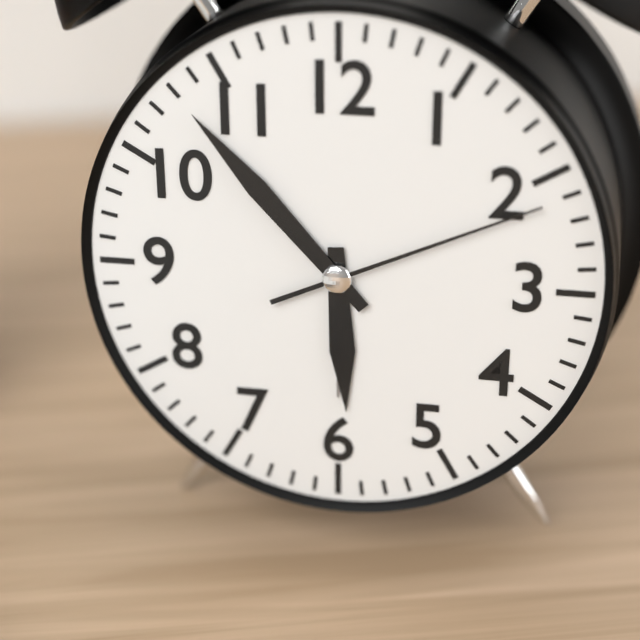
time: 5:53:11
